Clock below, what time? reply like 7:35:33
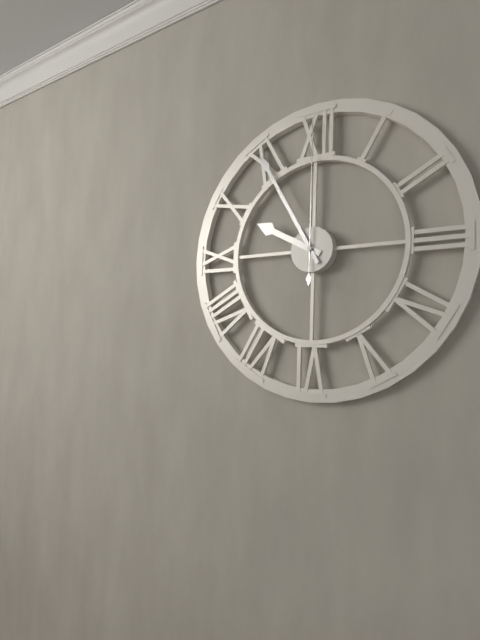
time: 9:55:00
